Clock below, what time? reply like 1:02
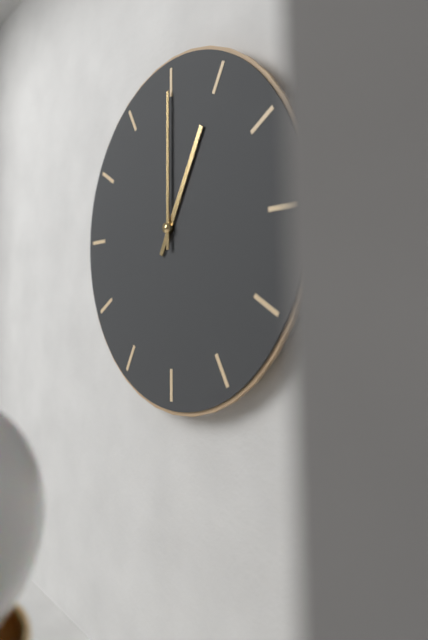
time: 1:00
